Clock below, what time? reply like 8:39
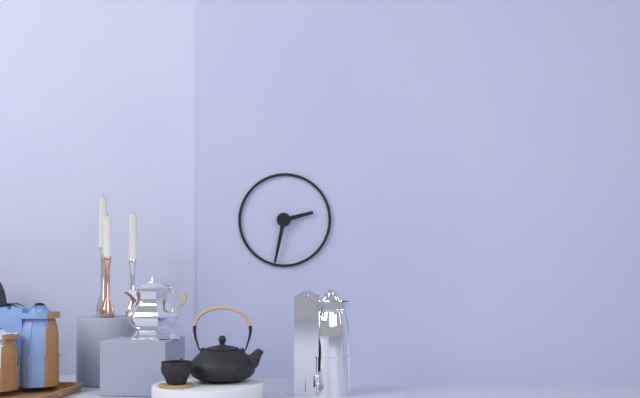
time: 2:32
